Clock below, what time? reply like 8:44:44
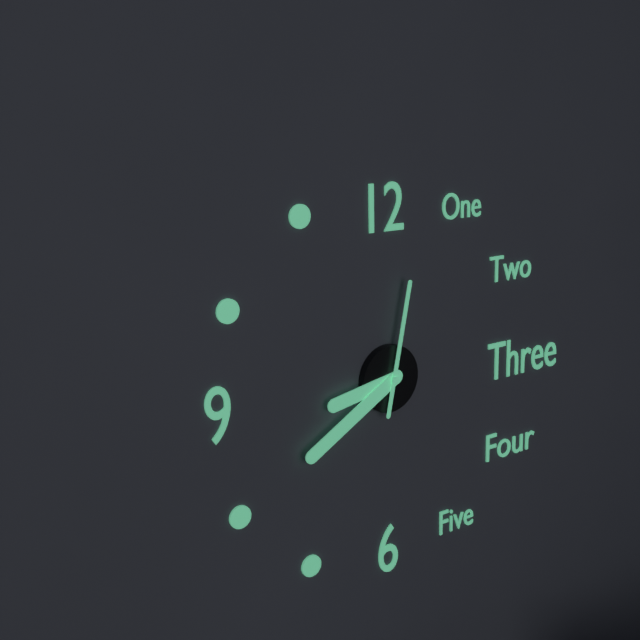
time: 8:40:02
